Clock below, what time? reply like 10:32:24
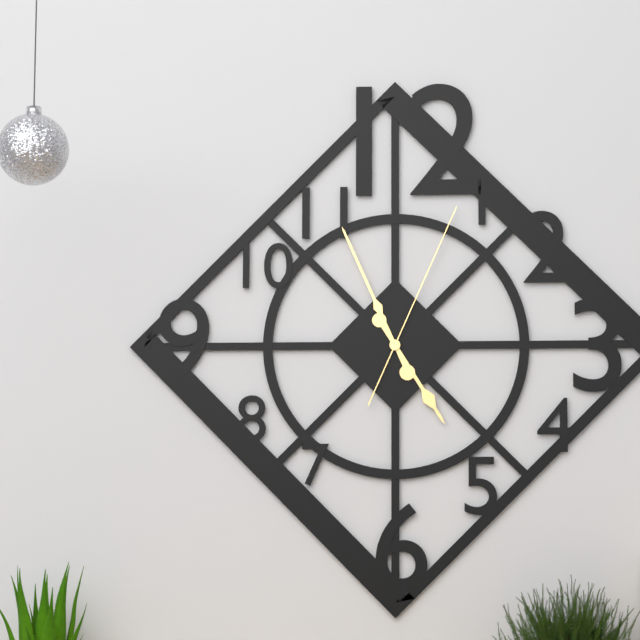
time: 4:56:04
